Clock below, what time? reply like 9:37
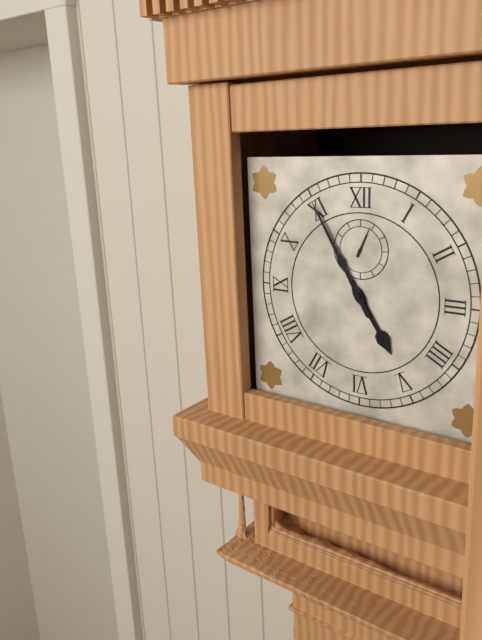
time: 4:55
